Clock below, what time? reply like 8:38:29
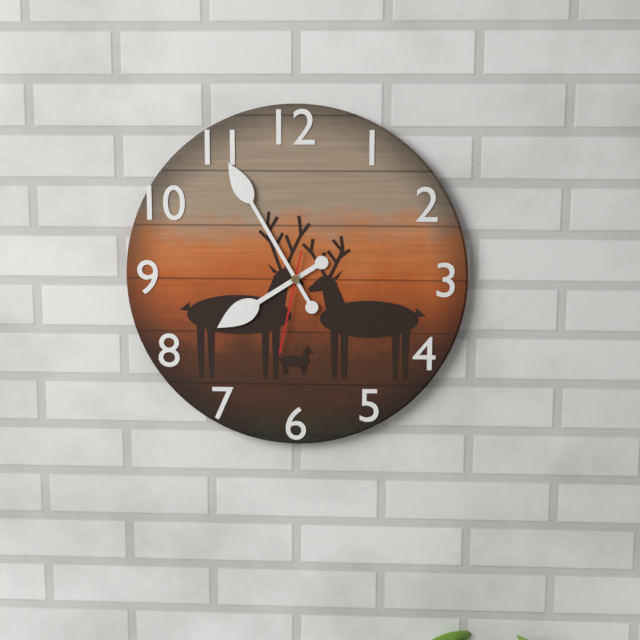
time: 7:55:32
